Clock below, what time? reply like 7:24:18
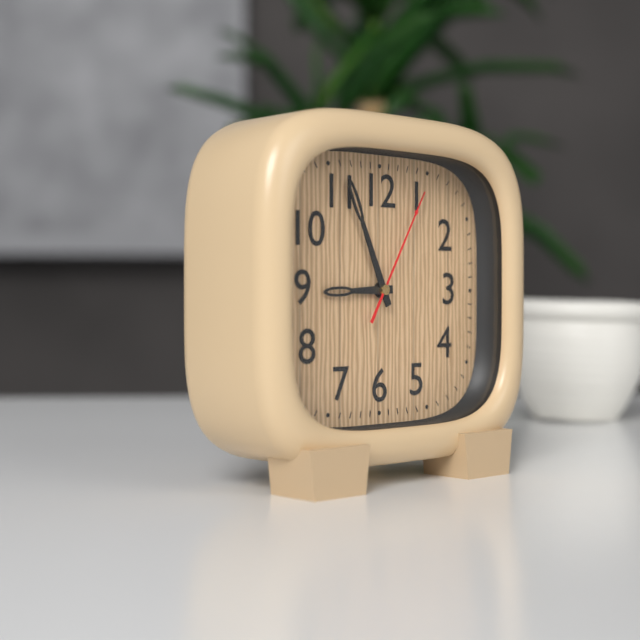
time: 8:56:05
